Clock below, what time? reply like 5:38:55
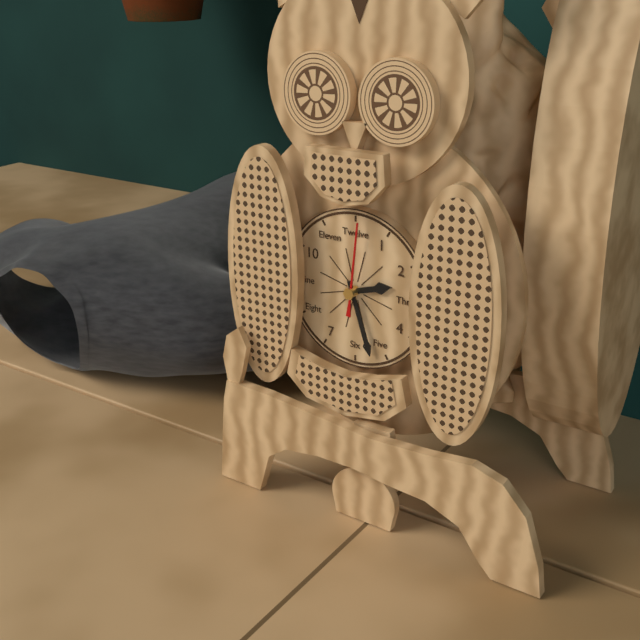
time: 2:27:01
